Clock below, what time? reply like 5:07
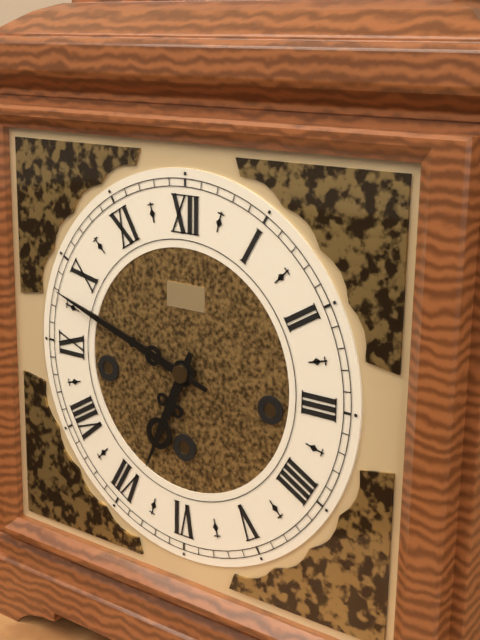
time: 6:48
